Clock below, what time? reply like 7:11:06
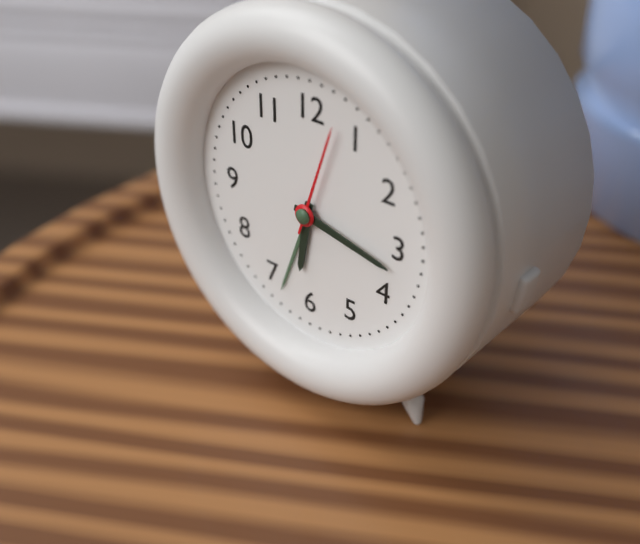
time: 6:17:03
